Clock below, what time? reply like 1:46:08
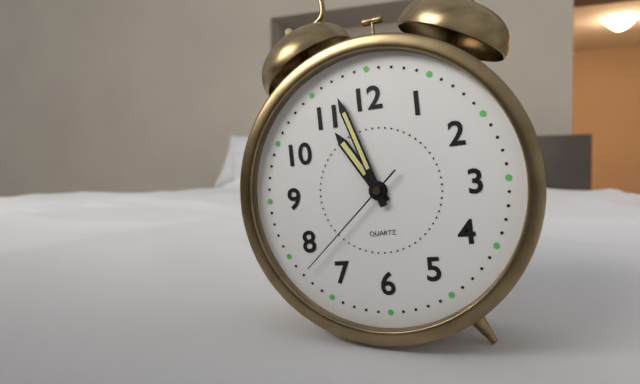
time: 10:57:38
